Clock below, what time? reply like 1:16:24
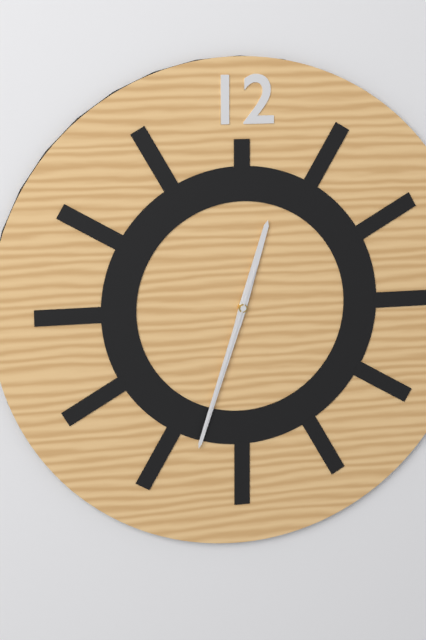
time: 12:33:33
